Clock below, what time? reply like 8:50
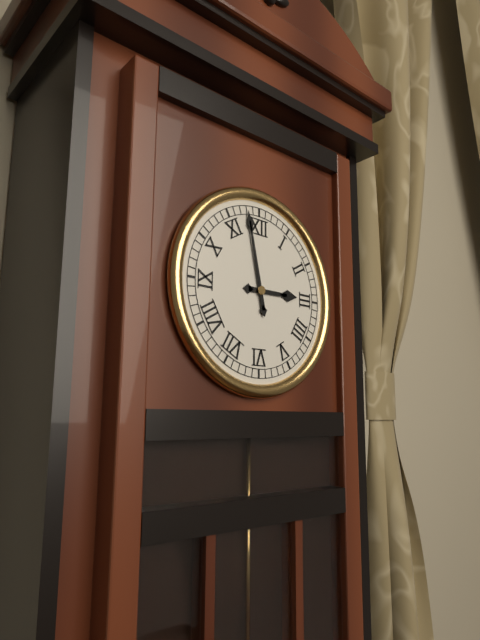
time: 2:58
